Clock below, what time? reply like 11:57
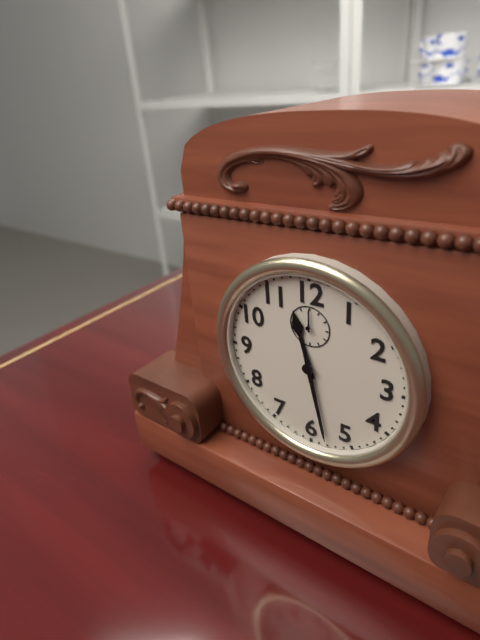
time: 11:28
